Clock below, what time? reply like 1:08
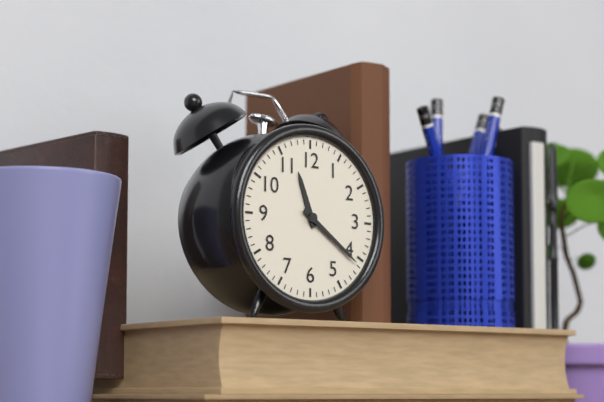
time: 11:21
